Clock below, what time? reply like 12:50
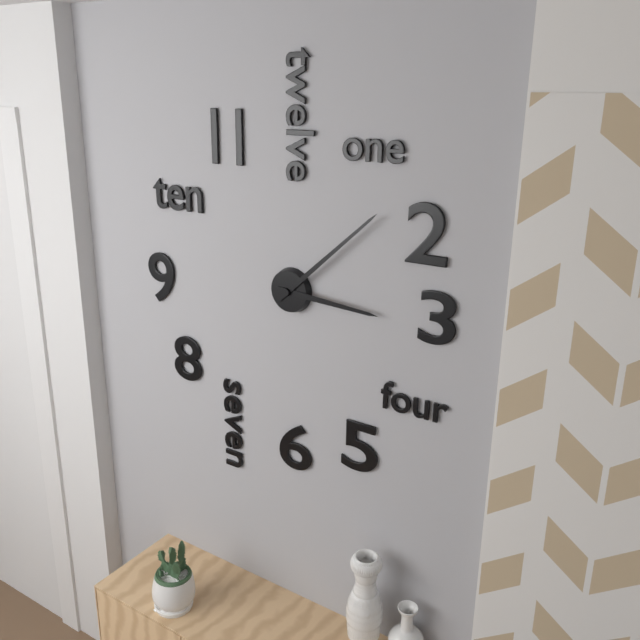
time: 3:08
